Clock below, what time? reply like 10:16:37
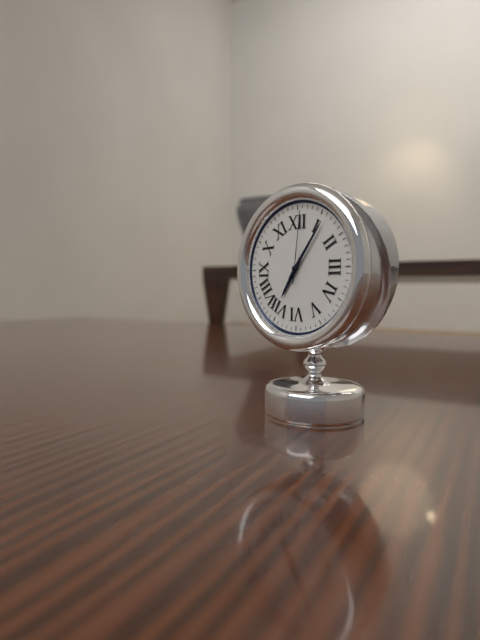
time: 7:06:01
